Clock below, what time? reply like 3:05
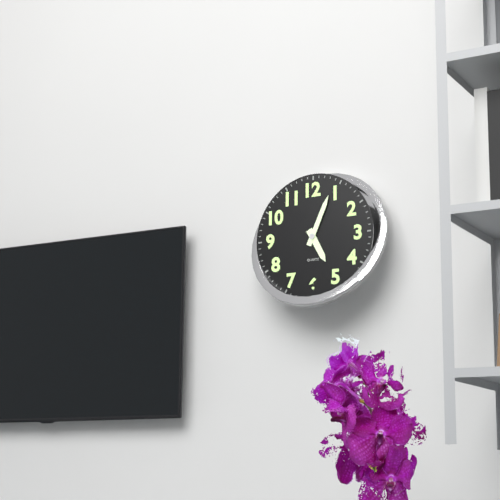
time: 5:04
